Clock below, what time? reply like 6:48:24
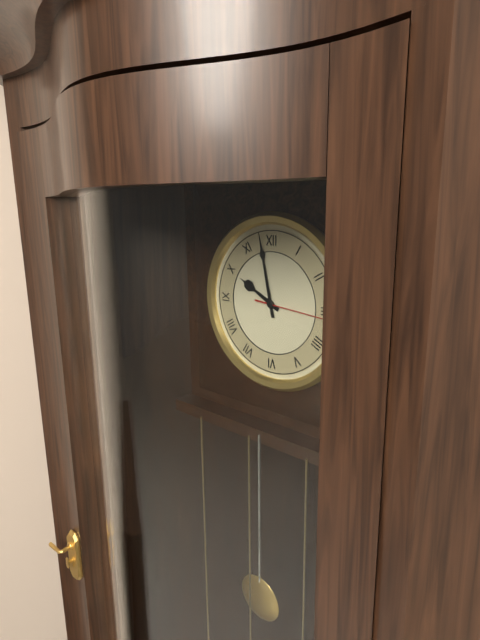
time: 9:58:16
